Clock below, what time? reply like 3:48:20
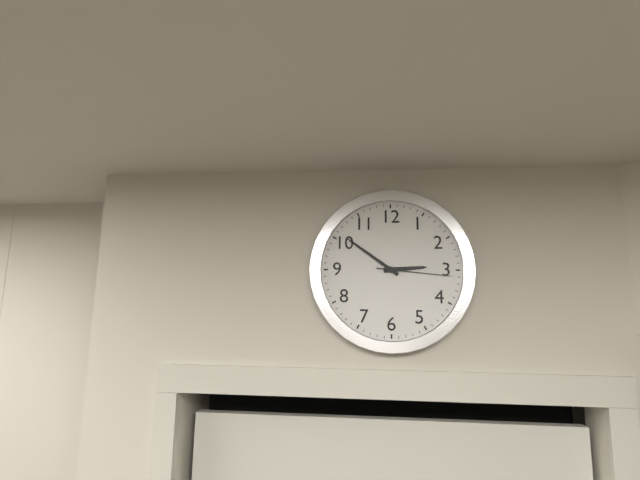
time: 2:51:16
